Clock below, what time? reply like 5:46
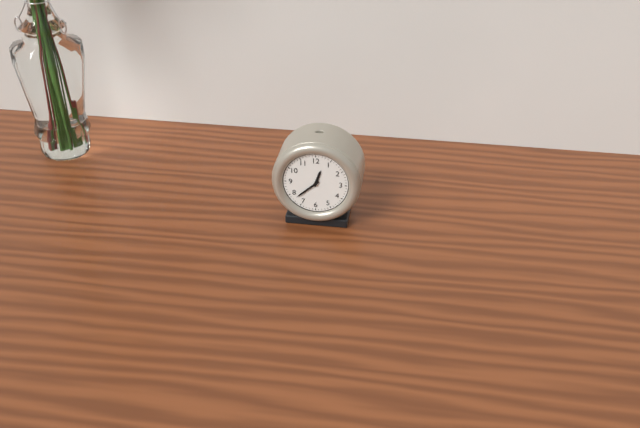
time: 12:38
